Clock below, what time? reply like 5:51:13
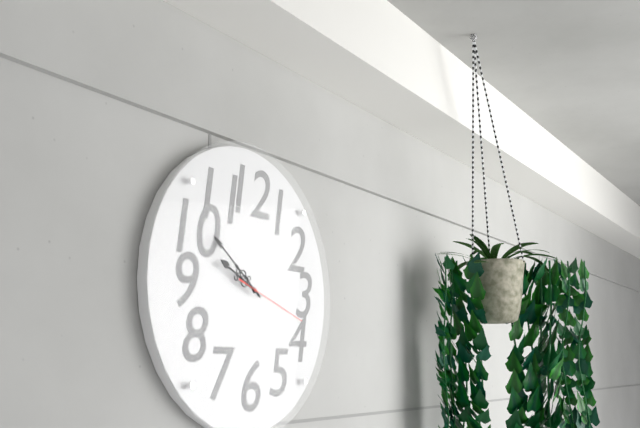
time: 9:51:18
